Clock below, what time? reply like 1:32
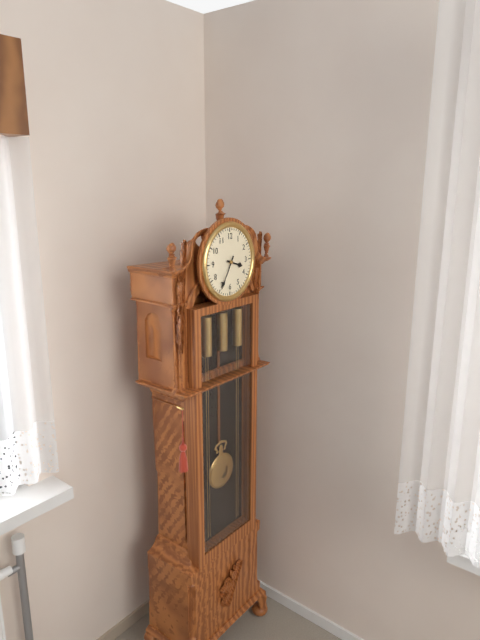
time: 3:35
